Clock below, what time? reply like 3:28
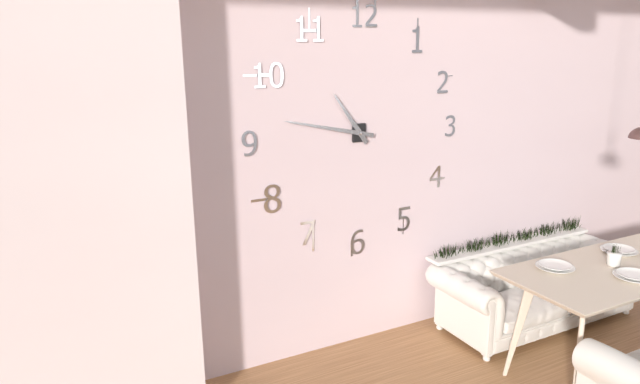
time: 10:47
